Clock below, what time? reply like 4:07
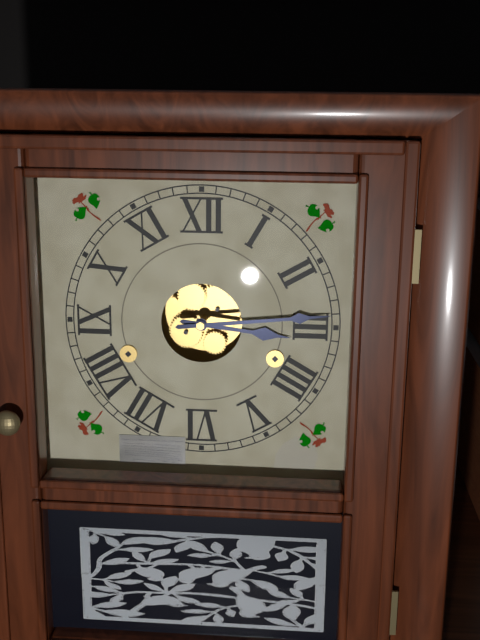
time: 3:14
